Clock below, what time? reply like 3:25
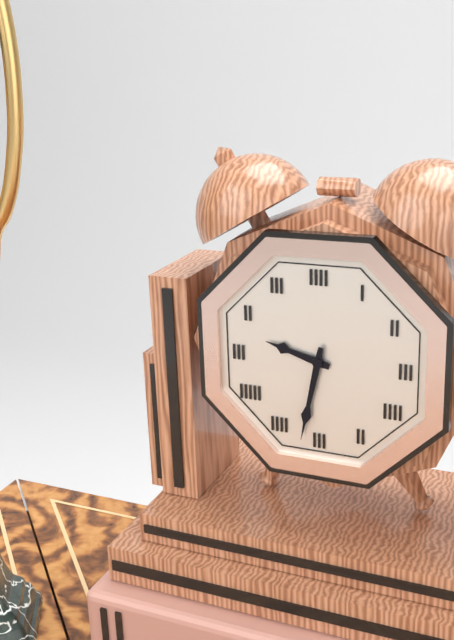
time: 9:32
